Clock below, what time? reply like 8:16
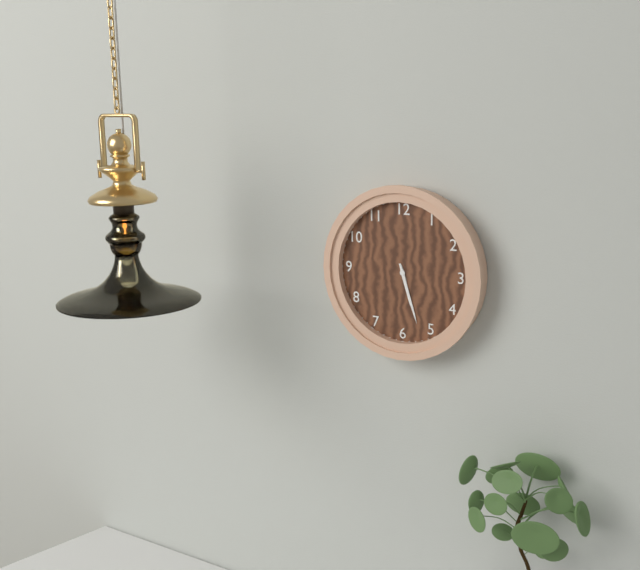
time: 5:27
